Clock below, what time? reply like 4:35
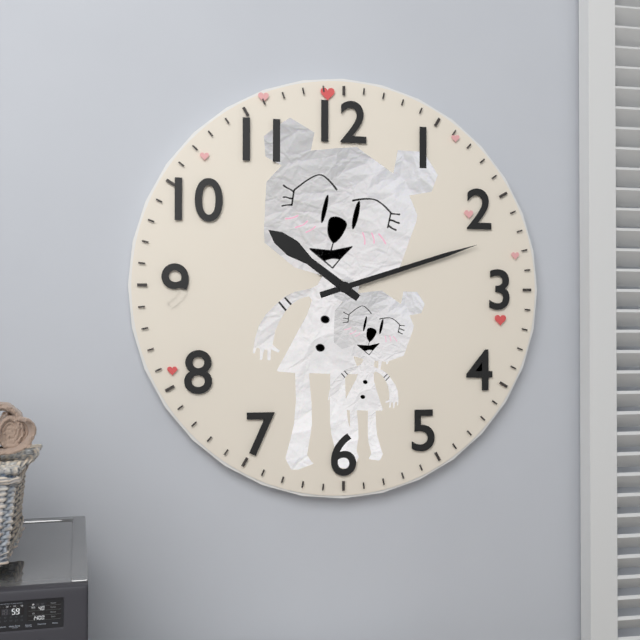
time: 10:12
